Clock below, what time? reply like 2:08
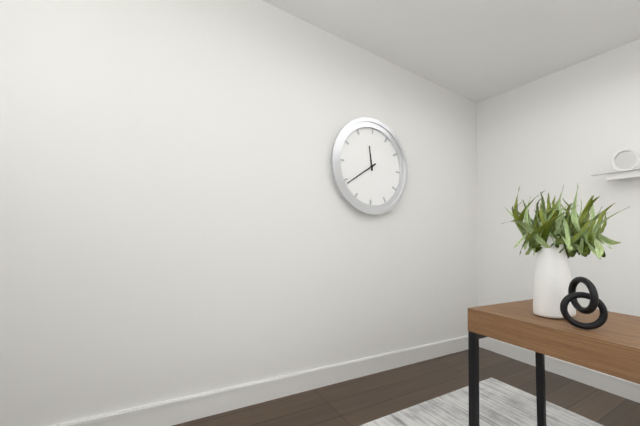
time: 11:39
